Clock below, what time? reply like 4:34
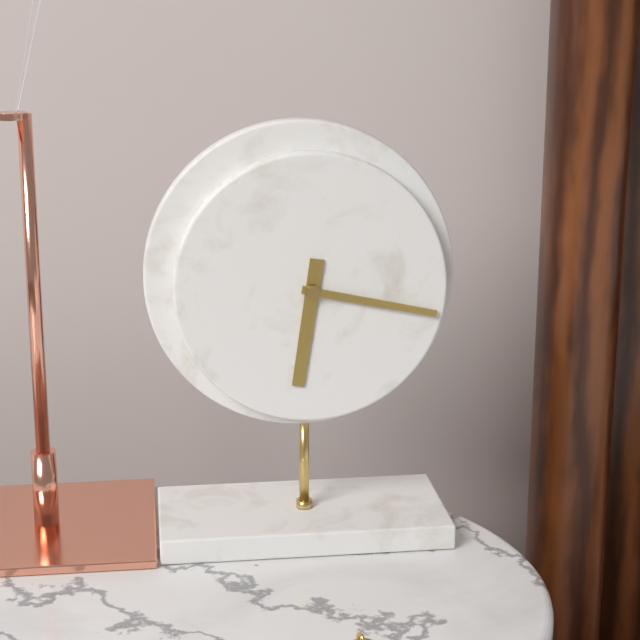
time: 6:17
